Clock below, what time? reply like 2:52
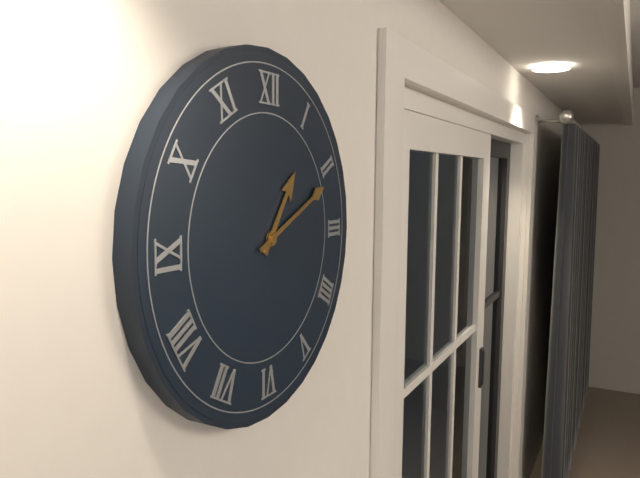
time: 1:11
